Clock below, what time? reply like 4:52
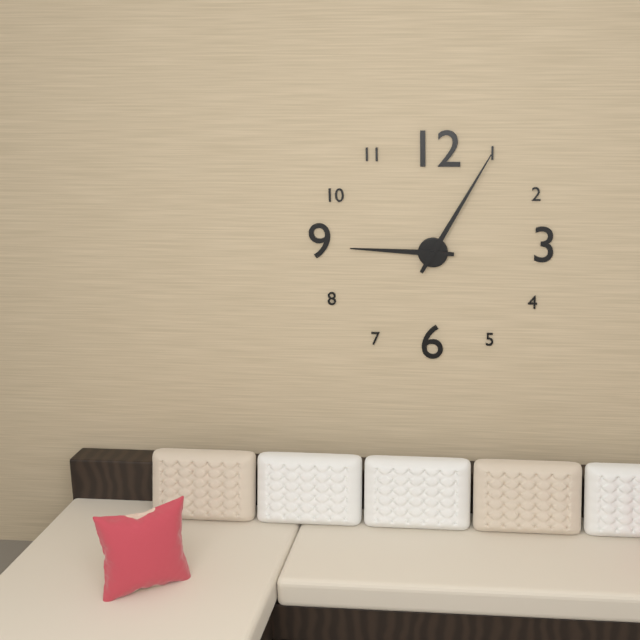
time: 9:05
